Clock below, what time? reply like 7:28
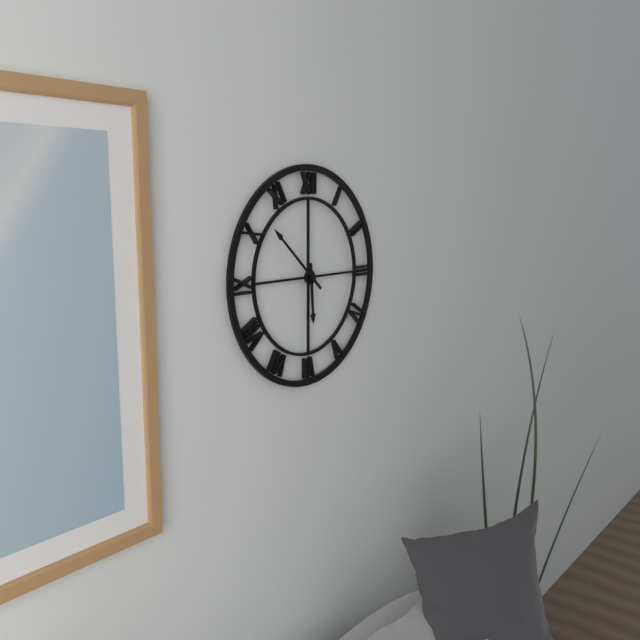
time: 5:52
